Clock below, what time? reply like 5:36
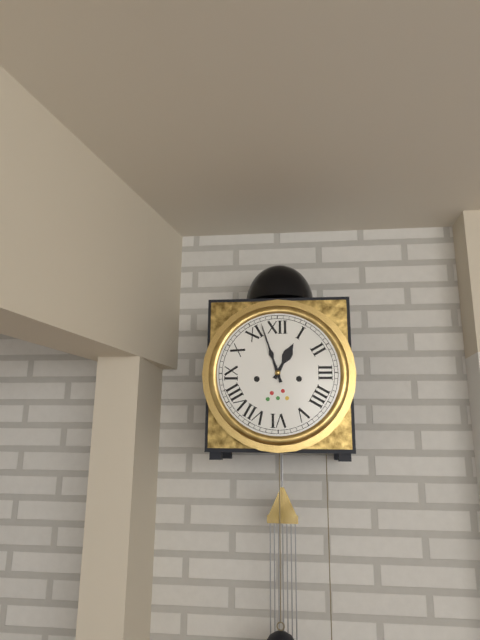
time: 12:57
